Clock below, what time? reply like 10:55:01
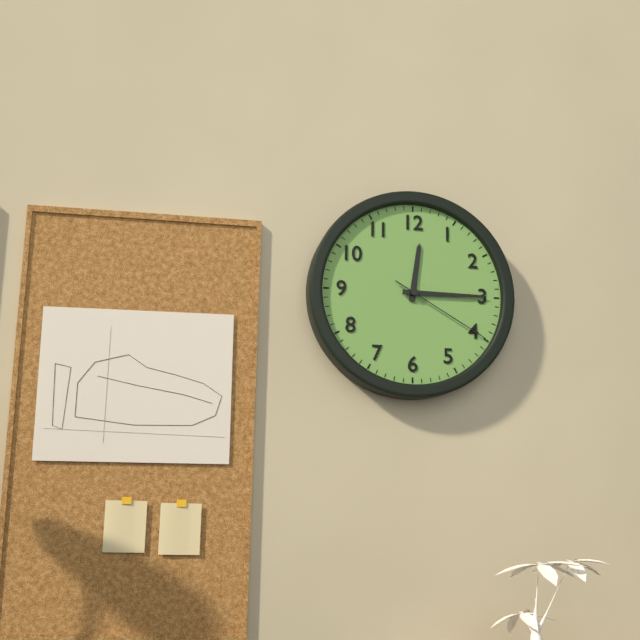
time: 12:15:20
